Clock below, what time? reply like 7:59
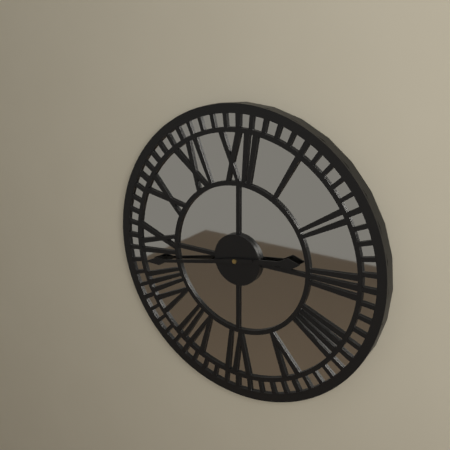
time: 2:43
